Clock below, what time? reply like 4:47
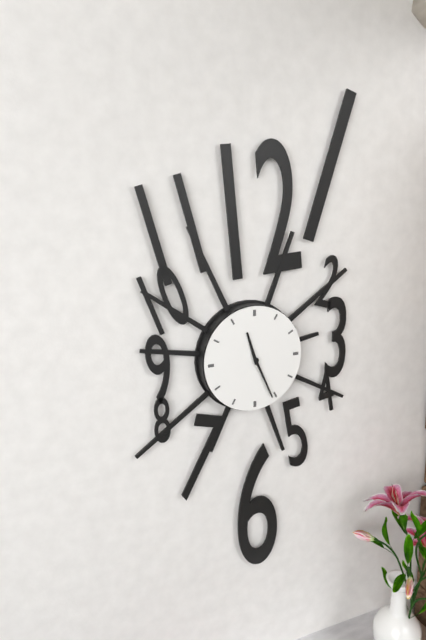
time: 11:26
